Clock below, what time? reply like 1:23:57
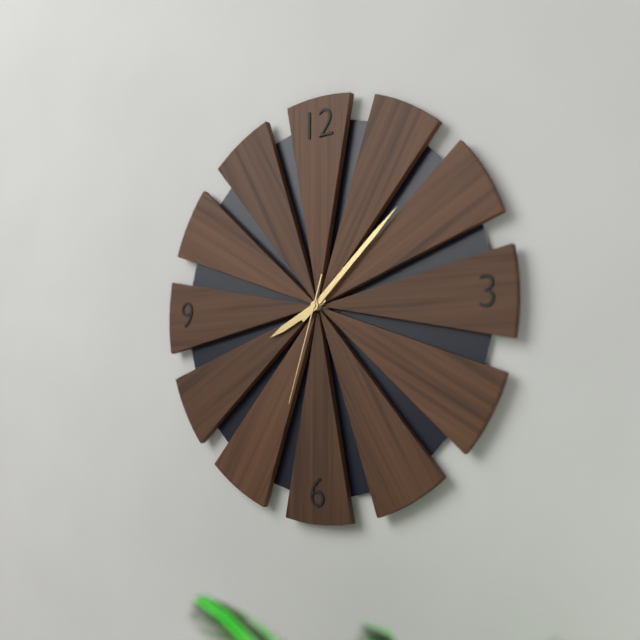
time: 8:08:33
